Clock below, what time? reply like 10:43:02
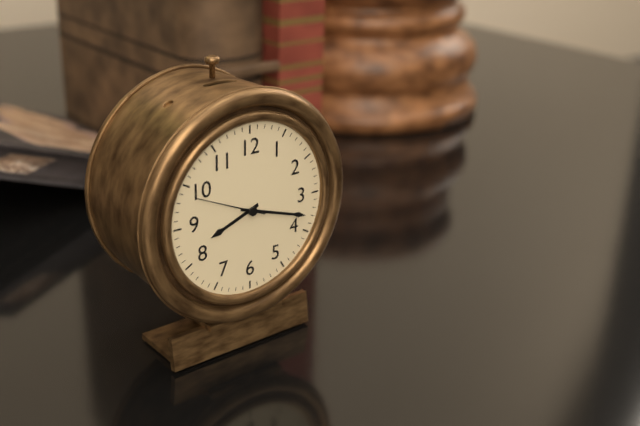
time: 8:18:49
